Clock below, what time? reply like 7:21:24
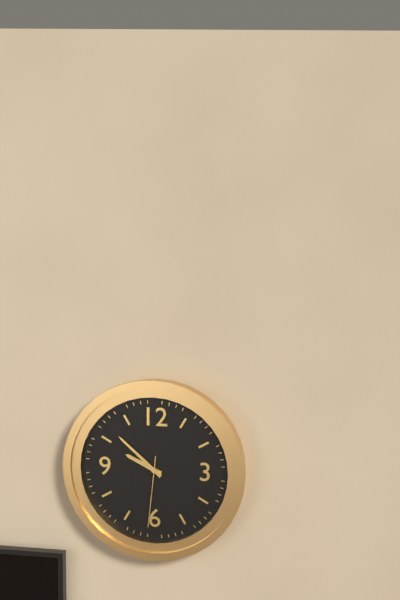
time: 9:52:31
